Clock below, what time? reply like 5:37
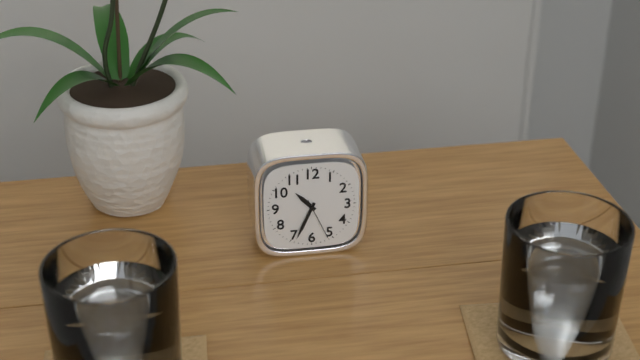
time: 10:34
